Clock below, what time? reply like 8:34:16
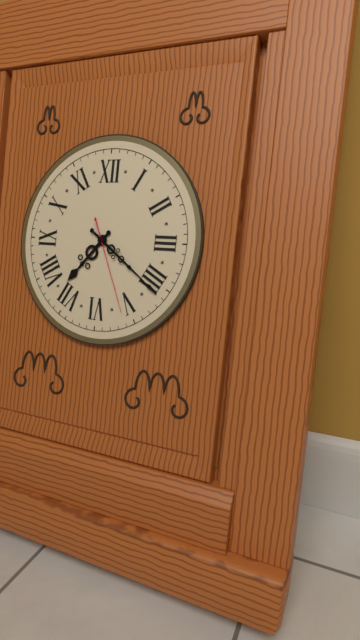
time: 7:21:26
